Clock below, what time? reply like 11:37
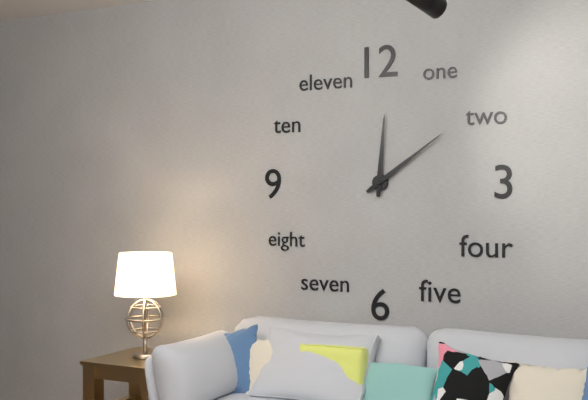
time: 12:09
